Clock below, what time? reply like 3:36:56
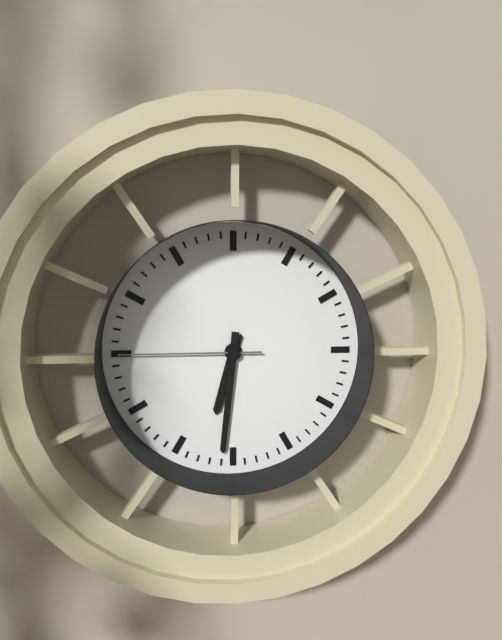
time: 6:31:45
